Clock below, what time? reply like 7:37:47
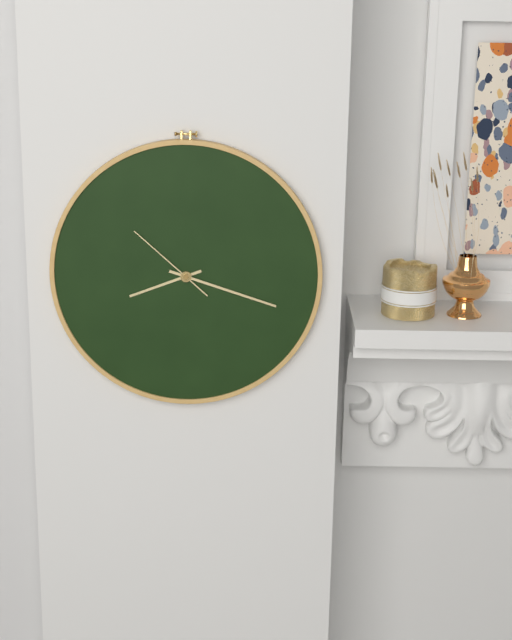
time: 8:18:52
